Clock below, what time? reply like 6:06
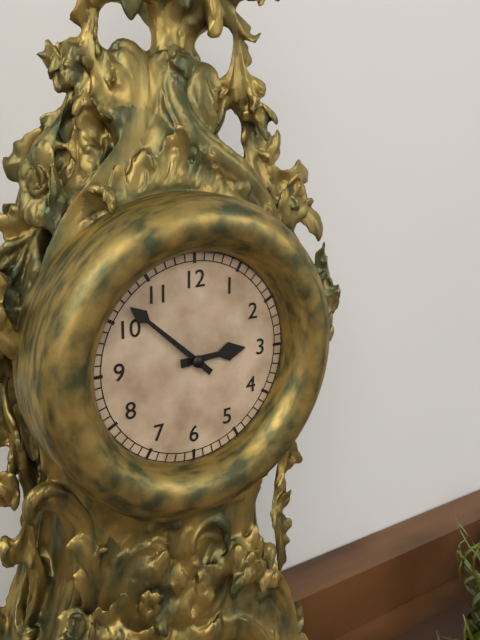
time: 2:52
